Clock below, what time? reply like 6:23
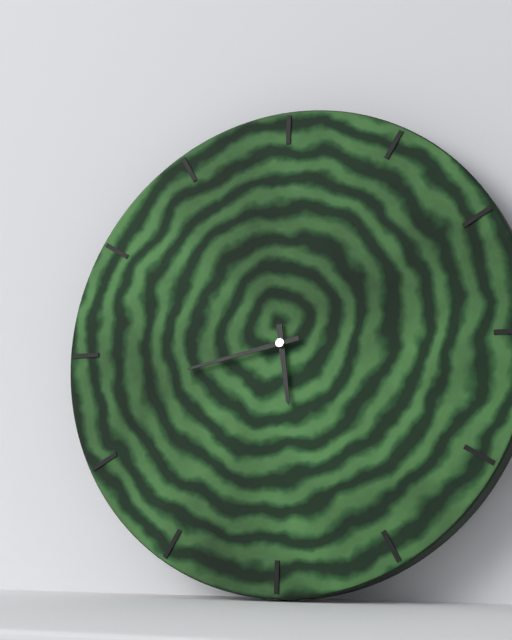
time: 5:43
